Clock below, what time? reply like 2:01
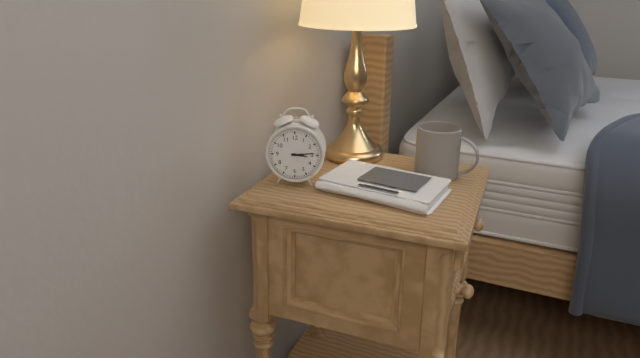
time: 3:14
